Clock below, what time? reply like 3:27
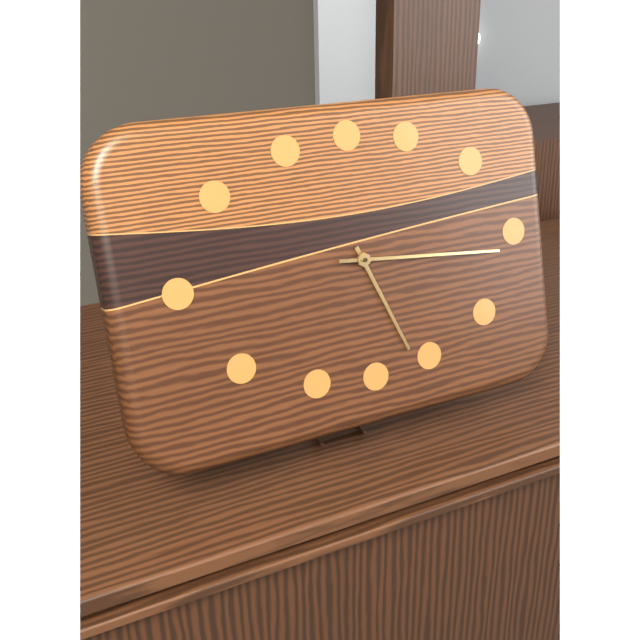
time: 5:16
